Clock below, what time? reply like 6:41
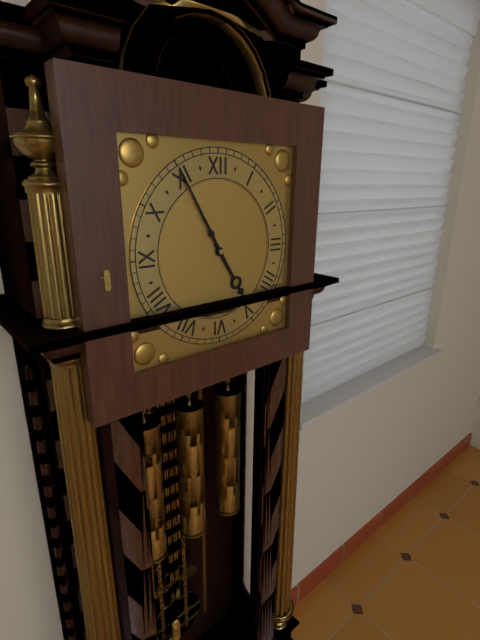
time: 4:55
